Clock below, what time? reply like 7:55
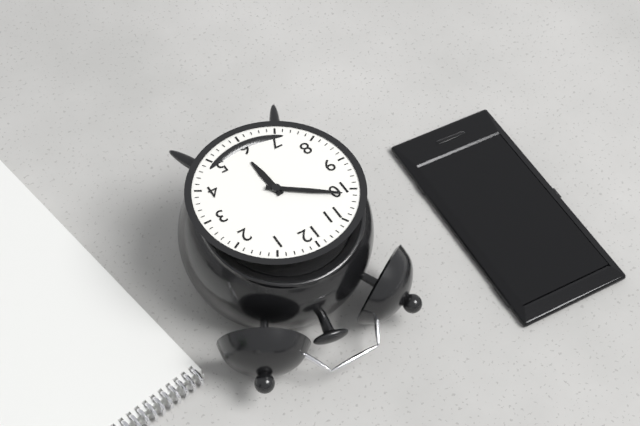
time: 5:51
